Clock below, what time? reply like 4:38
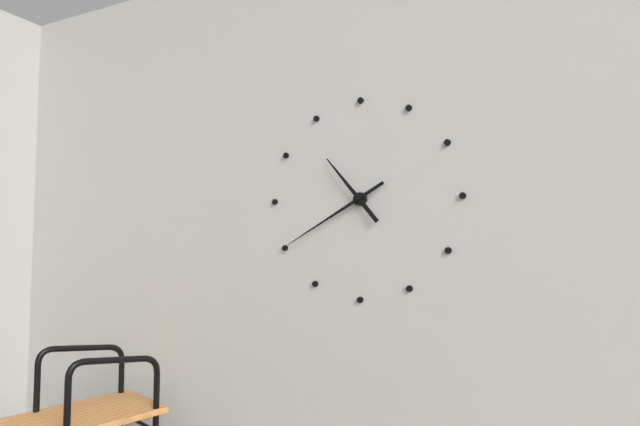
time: 10:40
